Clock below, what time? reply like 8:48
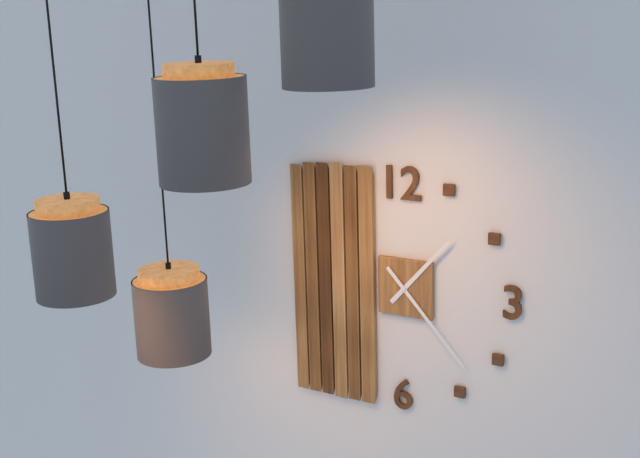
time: 1:23
